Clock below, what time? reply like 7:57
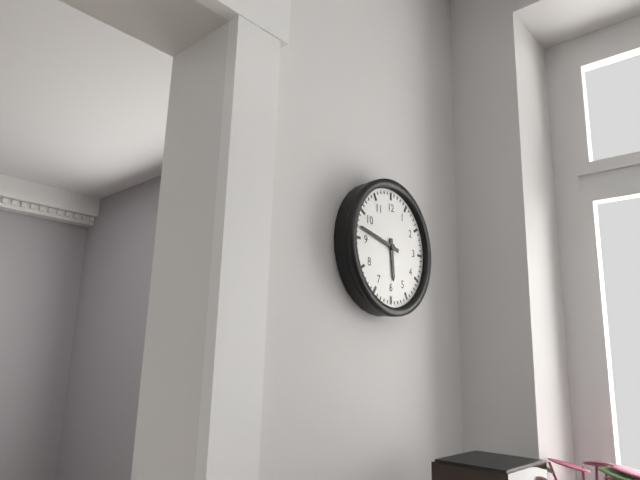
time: 5:47
